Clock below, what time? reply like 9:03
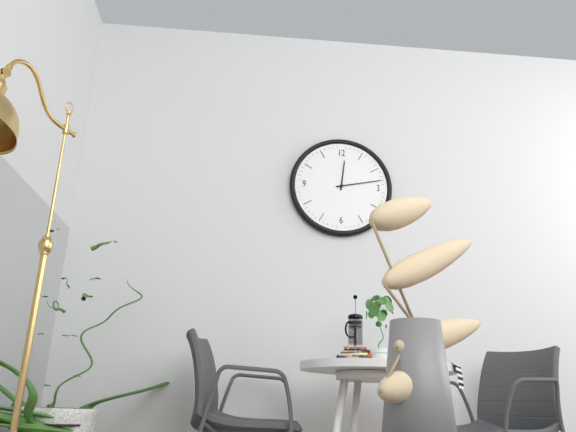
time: 12:13
